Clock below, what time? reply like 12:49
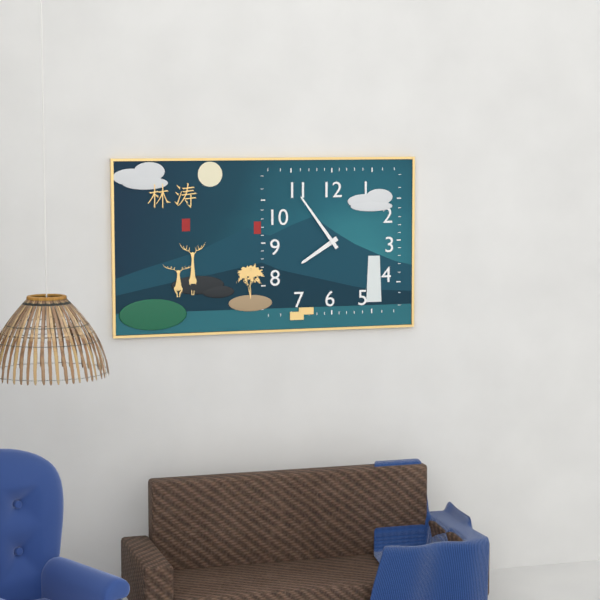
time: 7:54
